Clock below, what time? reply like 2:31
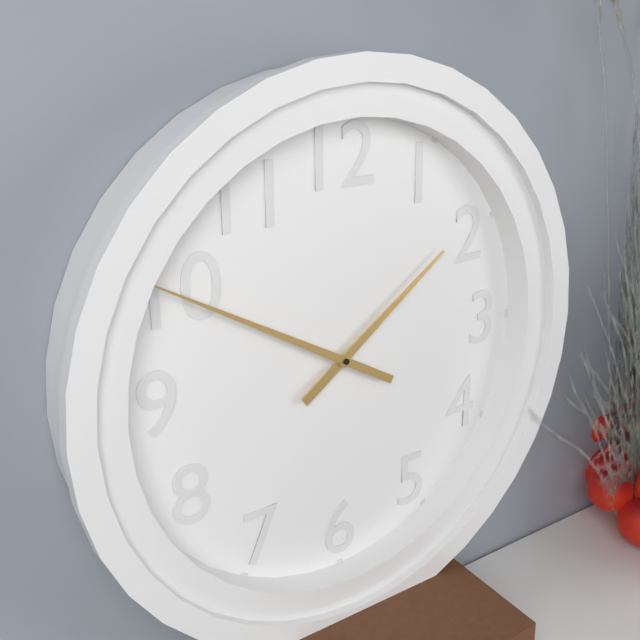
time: 1:50
